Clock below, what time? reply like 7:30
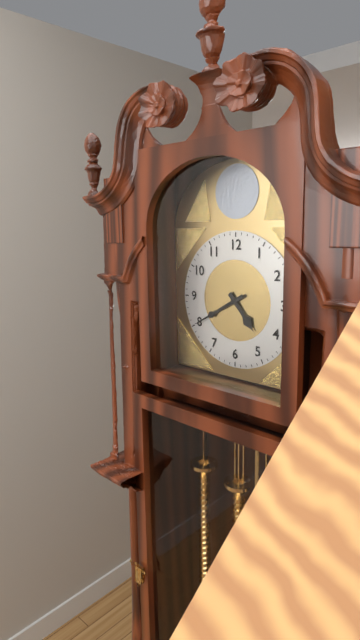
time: 4:40
